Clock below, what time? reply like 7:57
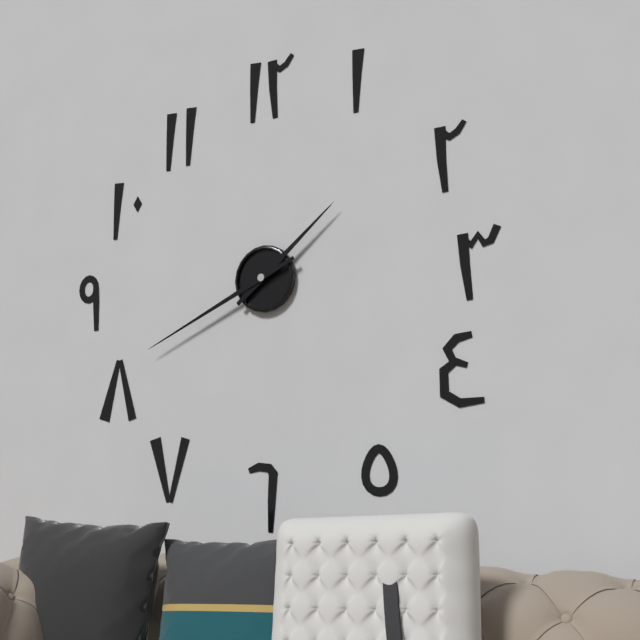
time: 1:41
